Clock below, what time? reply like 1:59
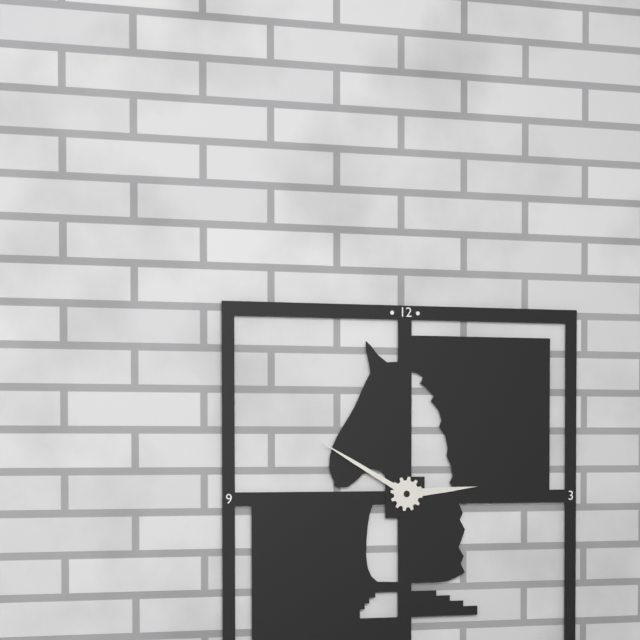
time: 2:50
